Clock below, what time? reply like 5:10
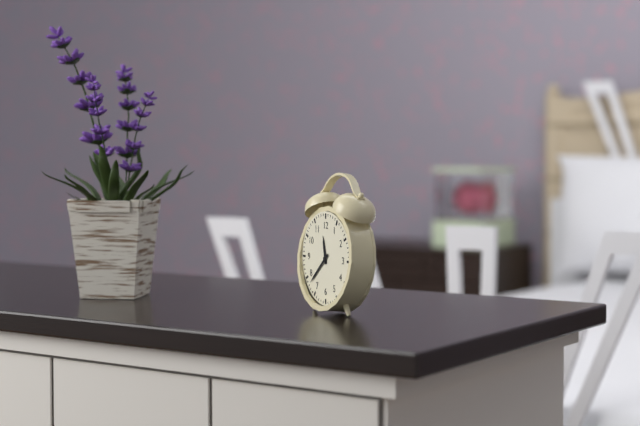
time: 11:38
